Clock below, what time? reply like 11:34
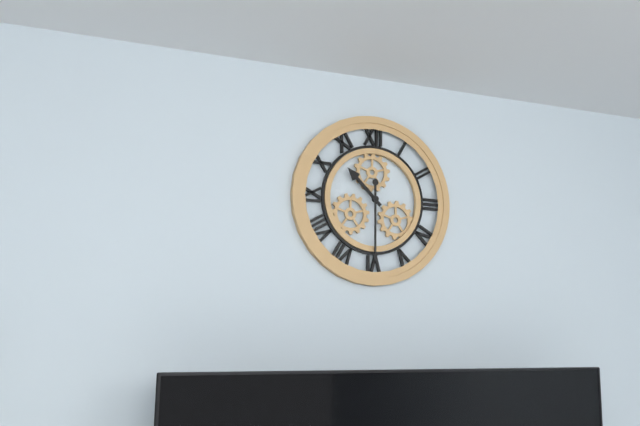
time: 10:30
